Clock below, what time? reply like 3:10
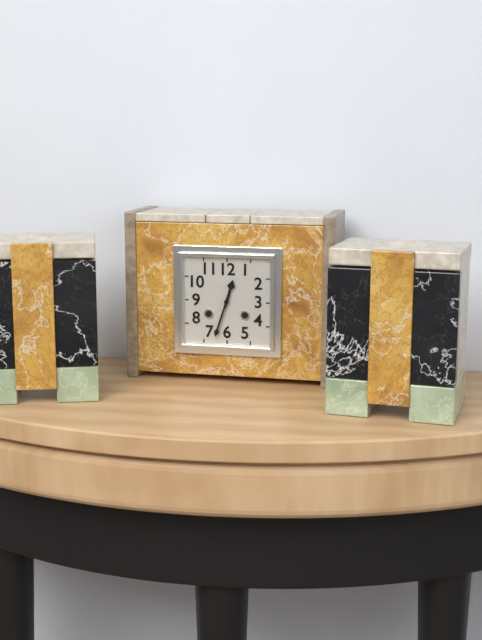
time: 12:33
